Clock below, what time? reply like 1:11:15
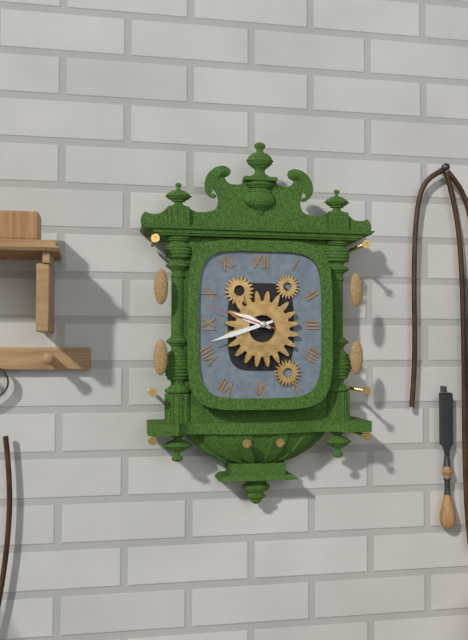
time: 9:42:48
